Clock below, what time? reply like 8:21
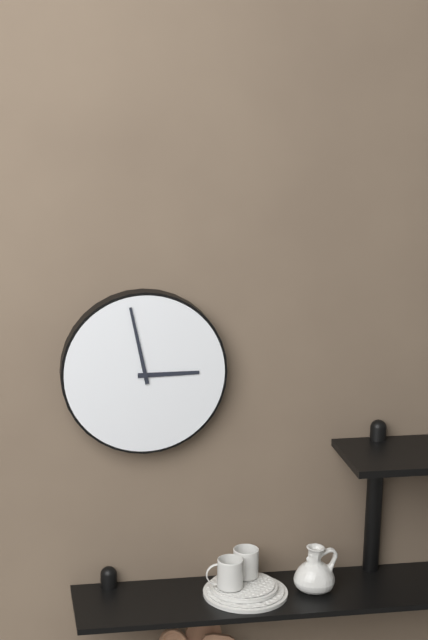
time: 2:58
